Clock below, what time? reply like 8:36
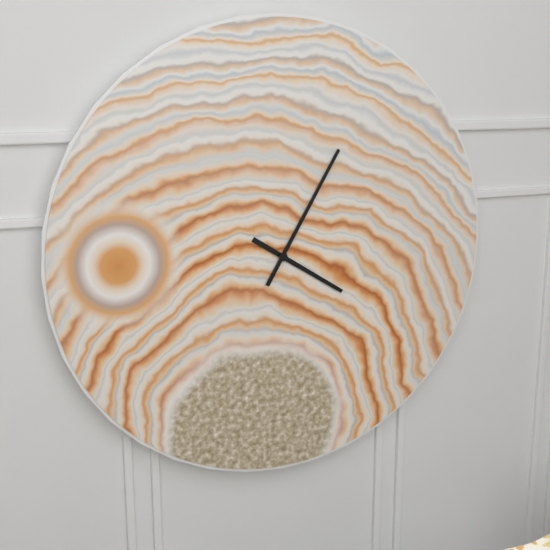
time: 4:05
